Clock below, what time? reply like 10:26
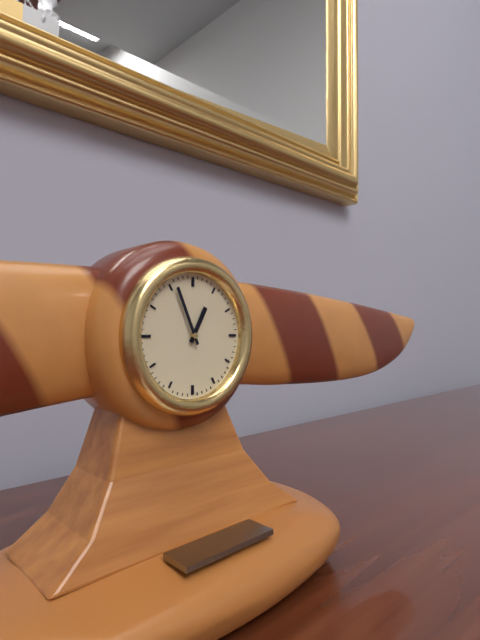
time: 12:56
